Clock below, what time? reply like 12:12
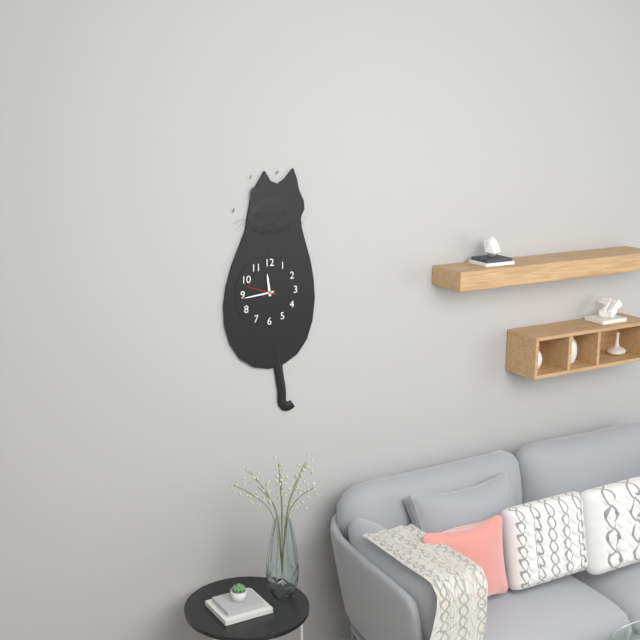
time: 11:44
